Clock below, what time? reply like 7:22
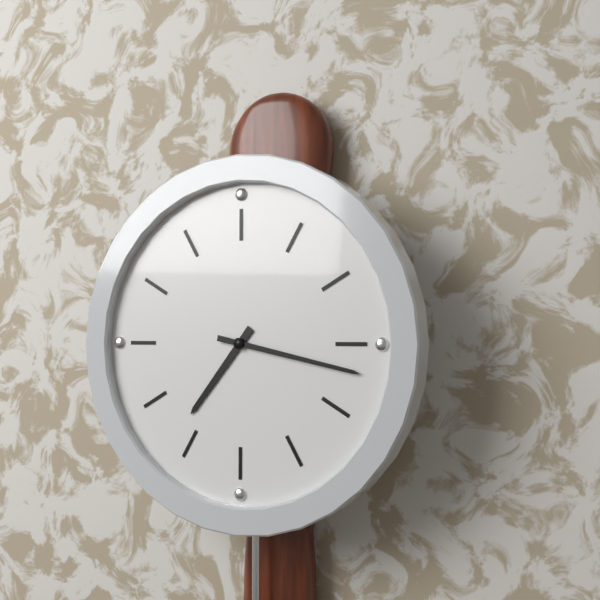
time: 7:17
